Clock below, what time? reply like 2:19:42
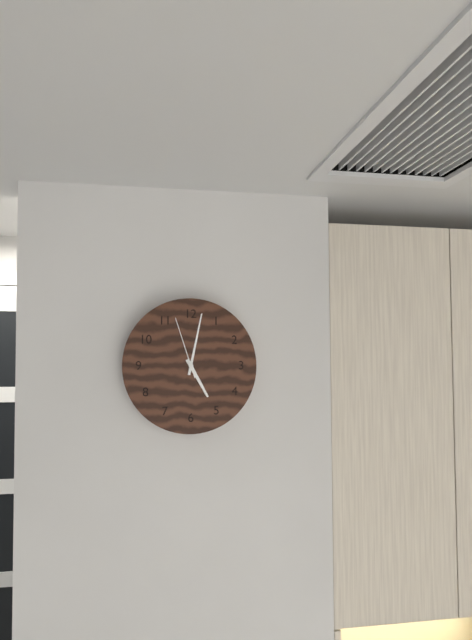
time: 5:02:57
